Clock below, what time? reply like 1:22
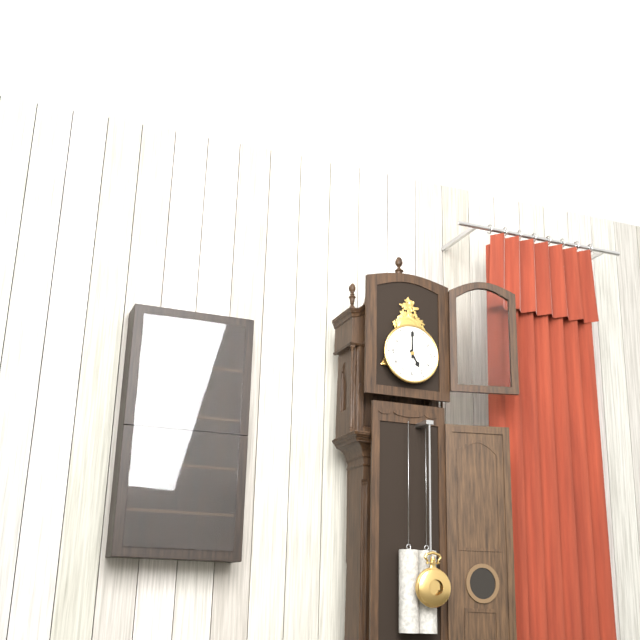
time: 5:00
